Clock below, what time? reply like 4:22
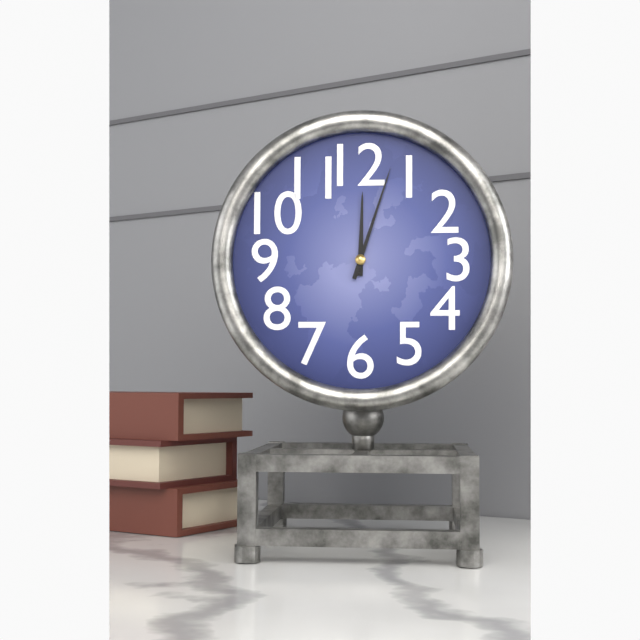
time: 12:03
